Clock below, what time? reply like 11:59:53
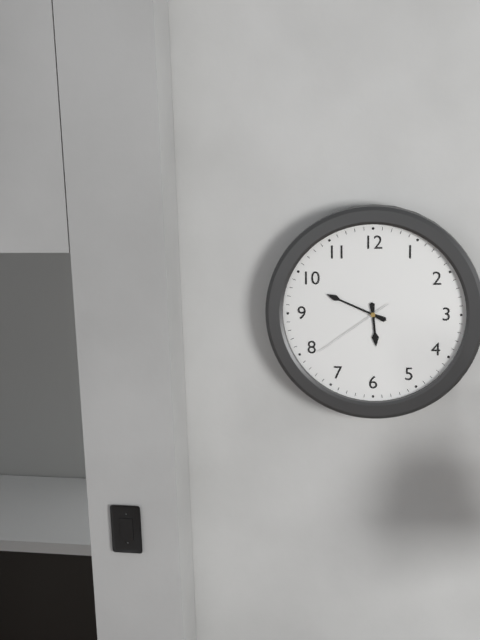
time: 5:49:39
